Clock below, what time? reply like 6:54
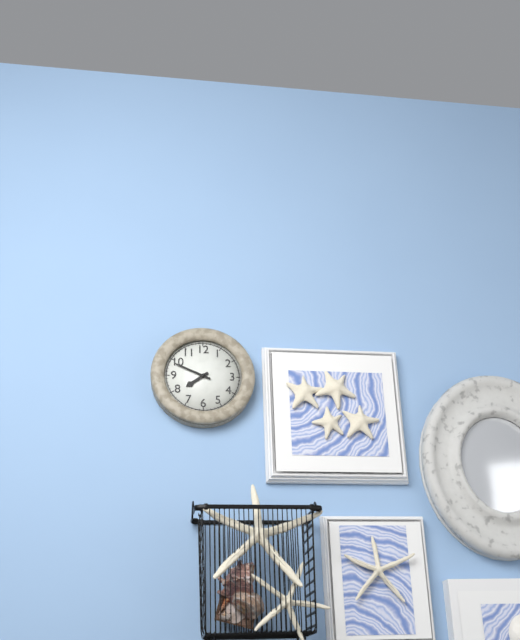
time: 7:49
